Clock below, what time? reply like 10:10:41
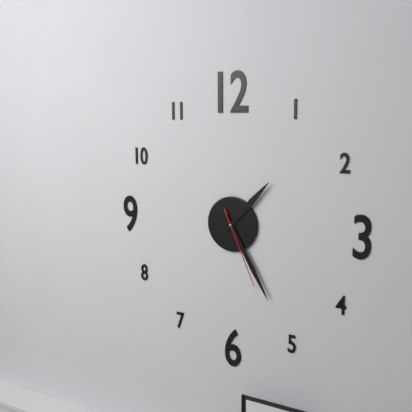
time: 1:25:26
